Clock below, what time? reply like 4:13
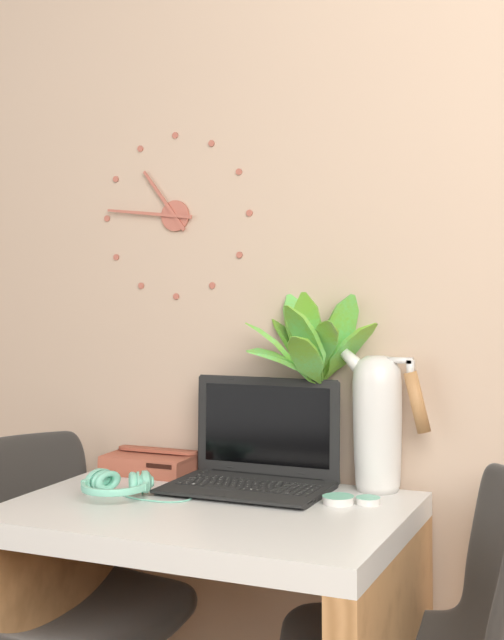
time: 10:46
